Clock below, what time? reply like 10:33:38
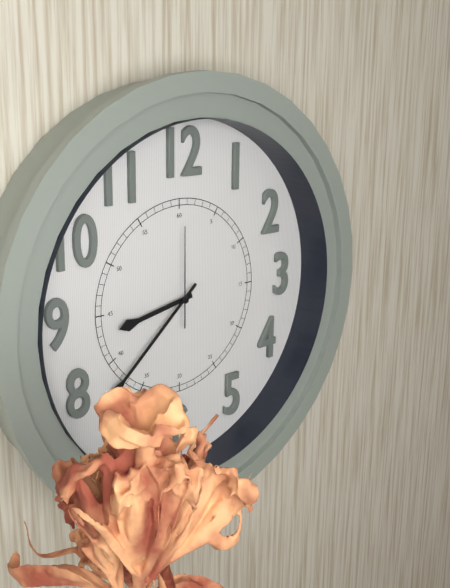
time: 8:38:00
